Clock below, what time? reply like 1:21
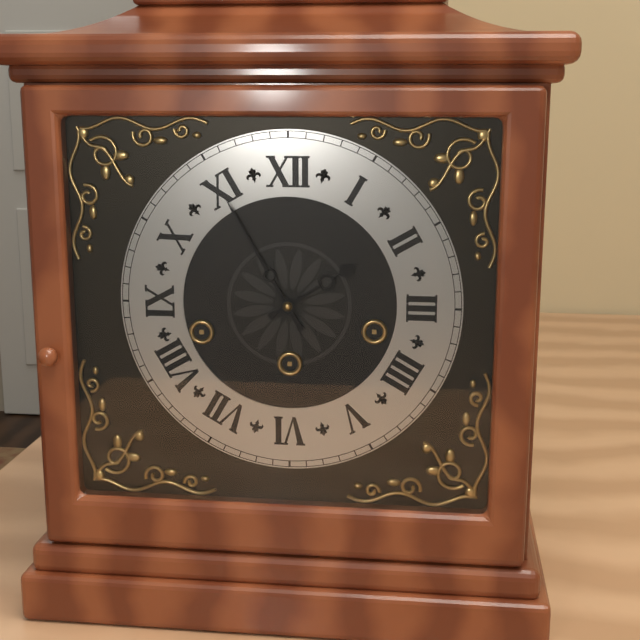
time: 1:55
